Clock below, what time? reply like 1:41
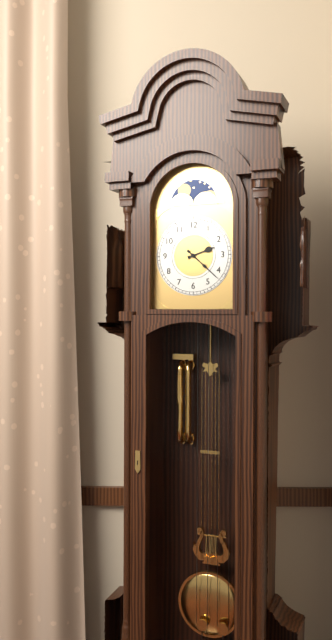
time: 2:22
